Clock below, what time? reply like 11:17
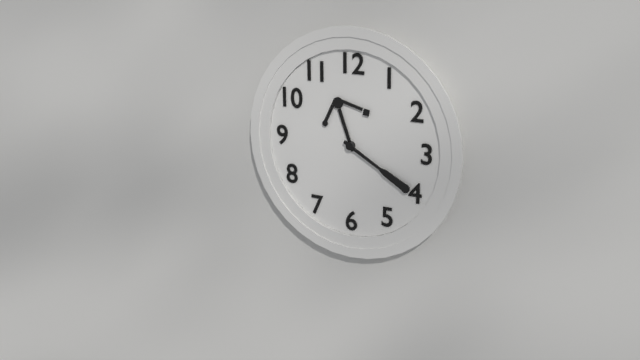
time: 11:20
